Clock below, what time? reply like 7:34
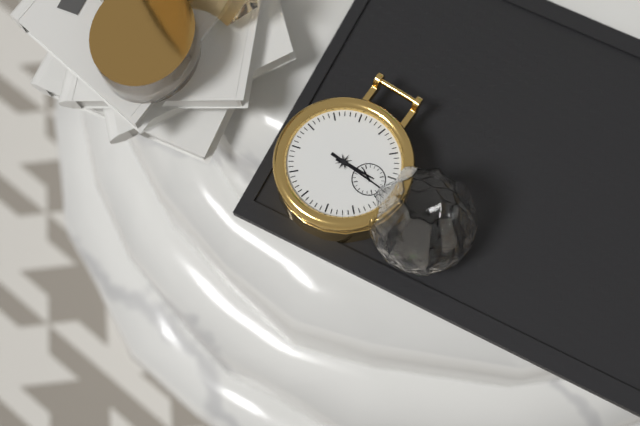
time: 4:23
